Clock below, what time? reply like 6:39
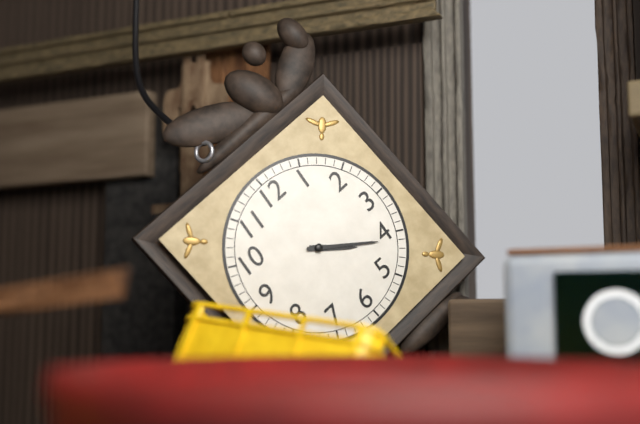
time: 4:21
